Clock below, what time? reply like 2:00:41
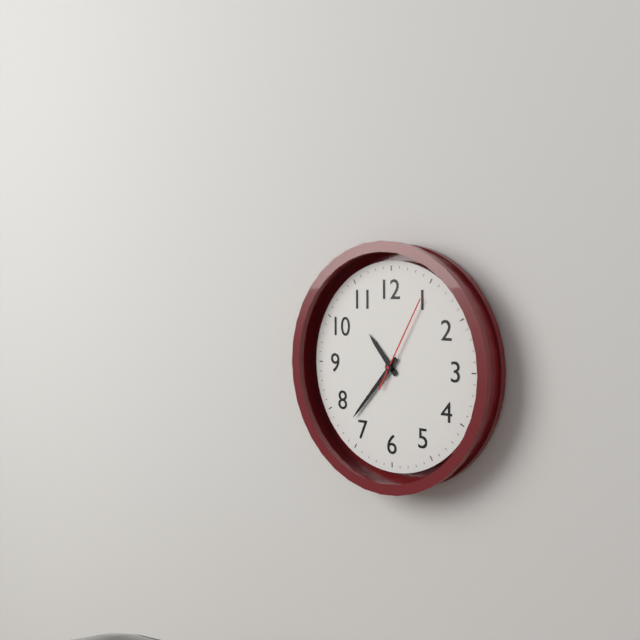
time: 10:37:05
